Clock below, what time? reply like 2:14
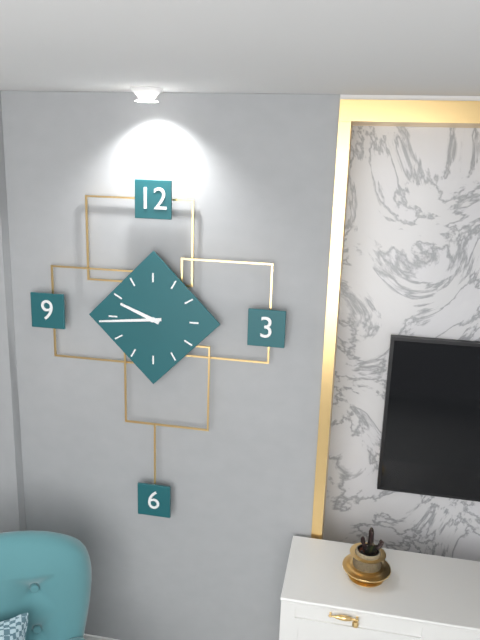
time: 9:44
